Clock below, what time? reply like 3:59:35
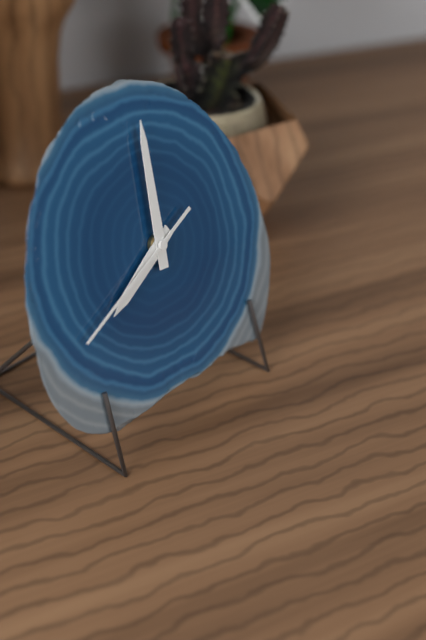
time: 8:01:41
